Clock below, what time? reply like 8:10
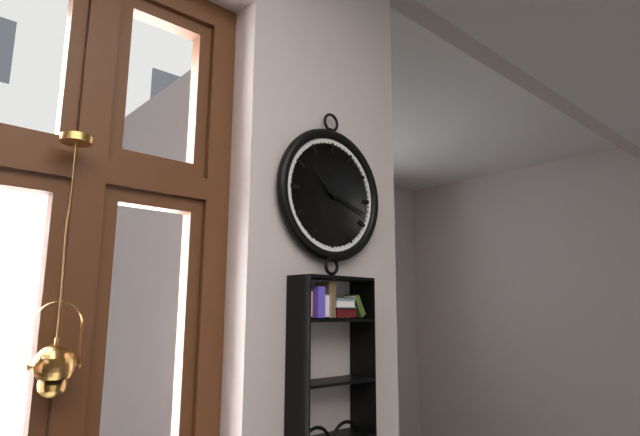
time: 10:18
